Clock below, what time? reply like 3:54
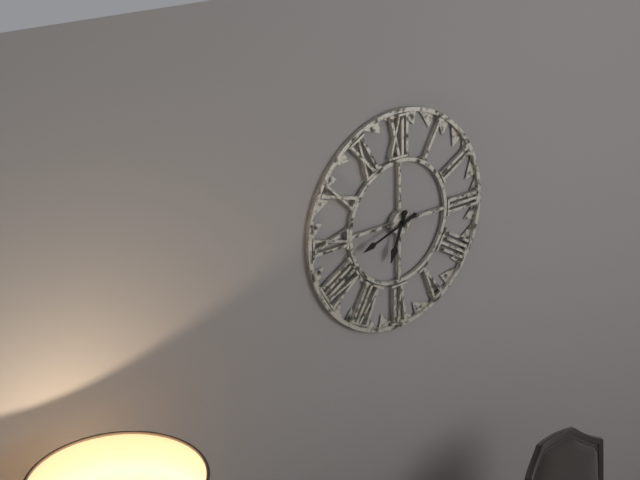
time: 6:42
